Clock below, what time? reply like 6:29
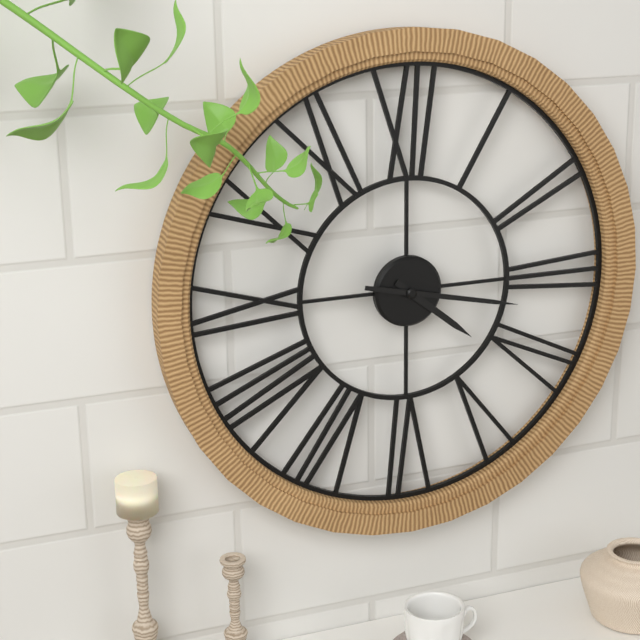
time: 4:17
